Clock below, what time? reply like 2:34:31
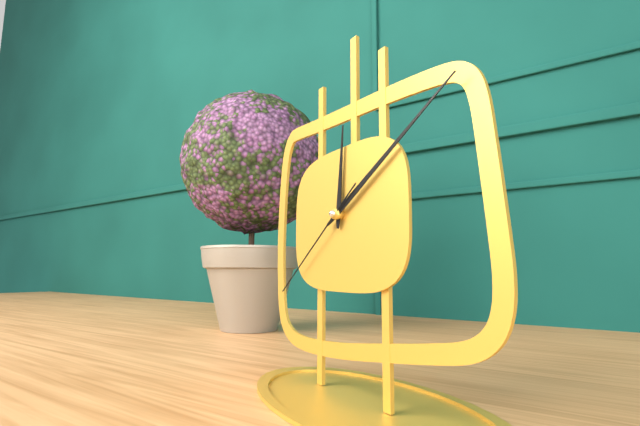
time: 12:10:39
